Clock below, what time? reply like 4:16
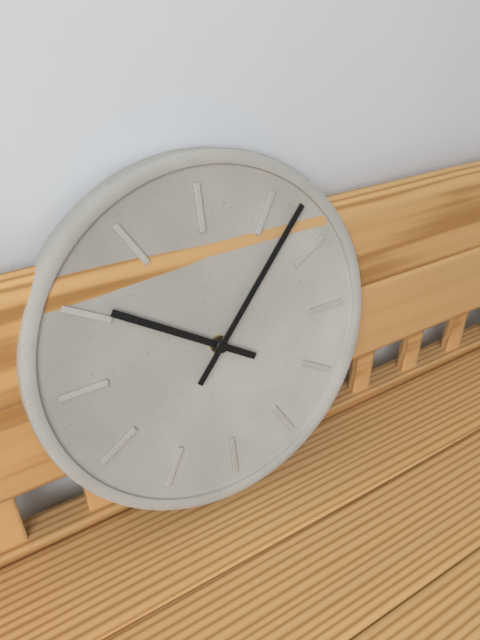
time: 10:07
